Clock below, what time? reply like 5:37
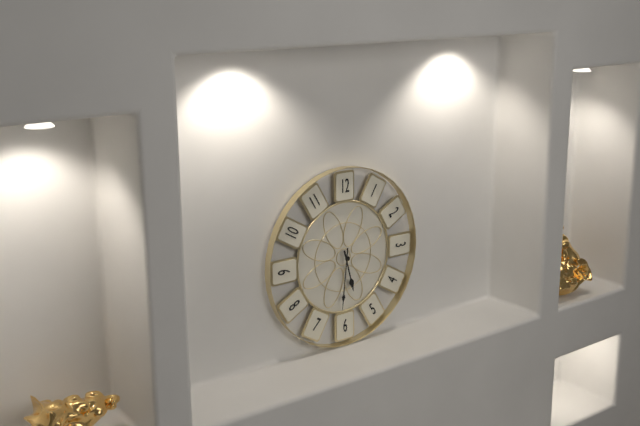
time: 5:31
